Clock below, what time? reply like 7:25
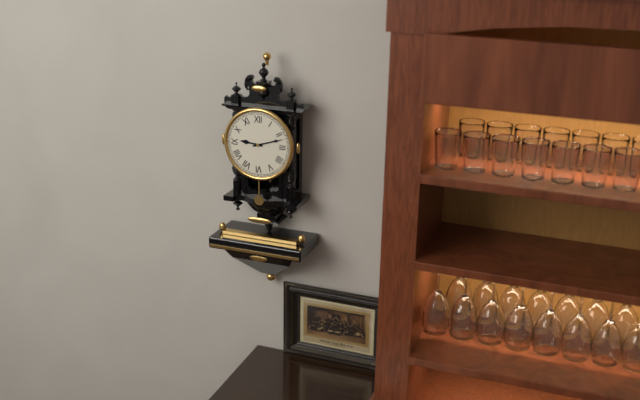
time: 9:12
